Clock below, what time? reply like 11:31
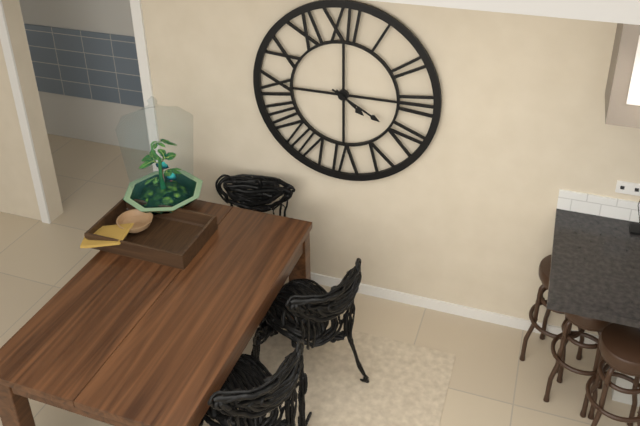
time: 4:20
